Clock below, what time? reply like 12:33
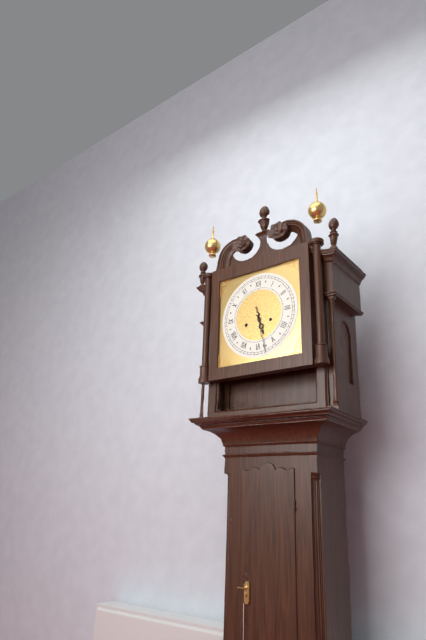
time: 5:28
